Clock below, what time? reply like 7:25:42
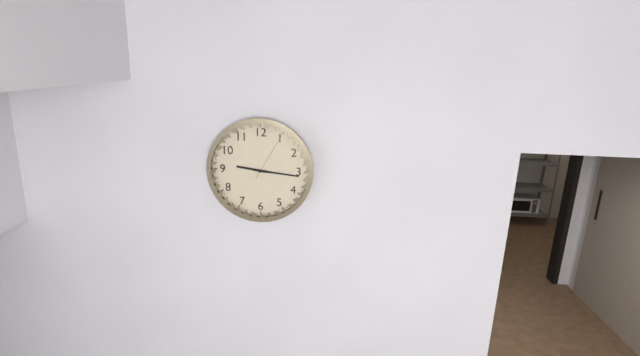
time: 9:16:05
